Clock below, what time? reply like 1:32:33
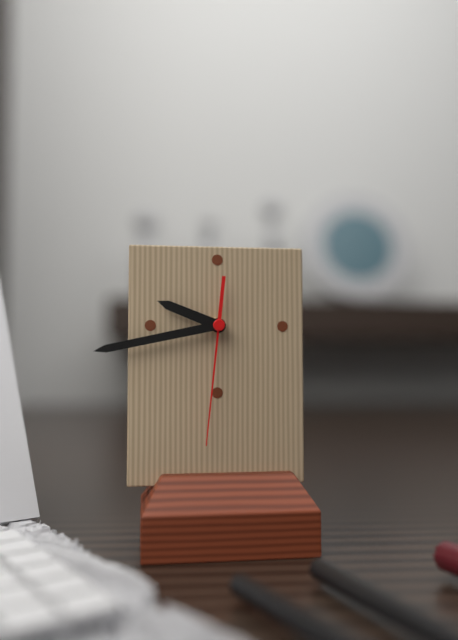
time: 9:43:31
